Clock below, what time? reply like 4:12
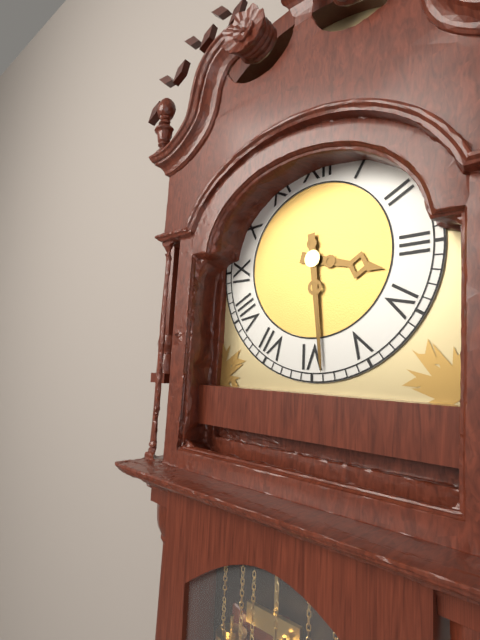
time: 3:29
